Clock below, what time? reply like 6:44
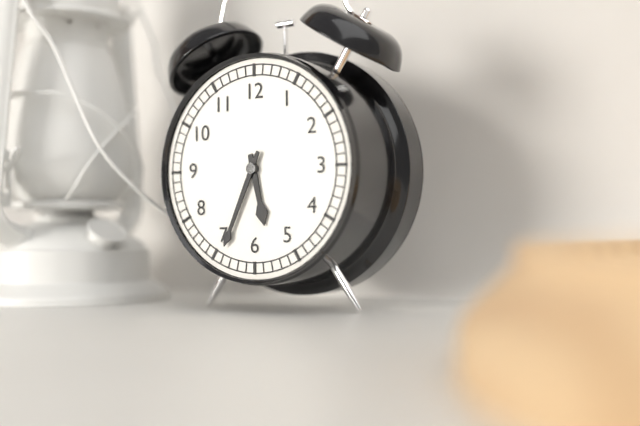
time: 5:34
